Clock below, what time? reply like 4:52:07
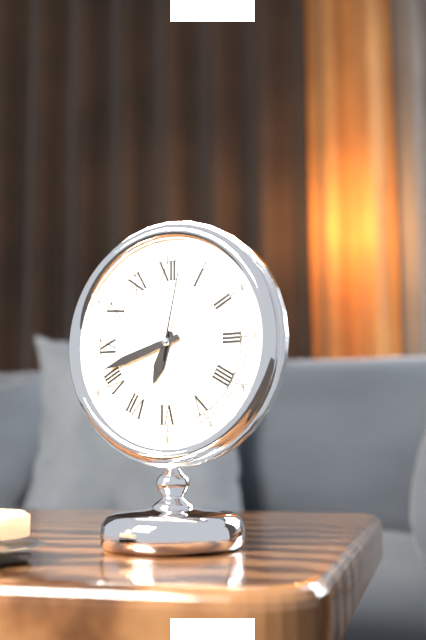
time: 6:42:02
